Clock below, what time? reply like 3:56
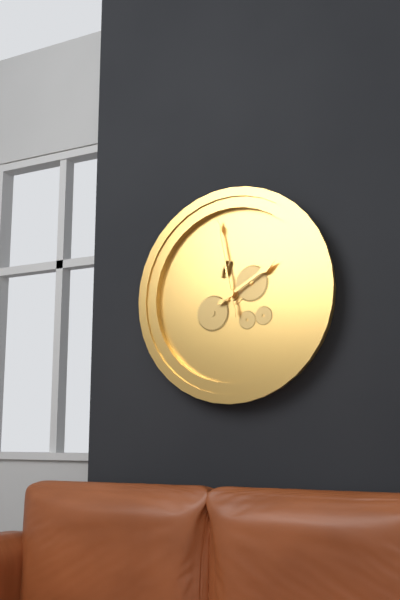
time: 1:58
